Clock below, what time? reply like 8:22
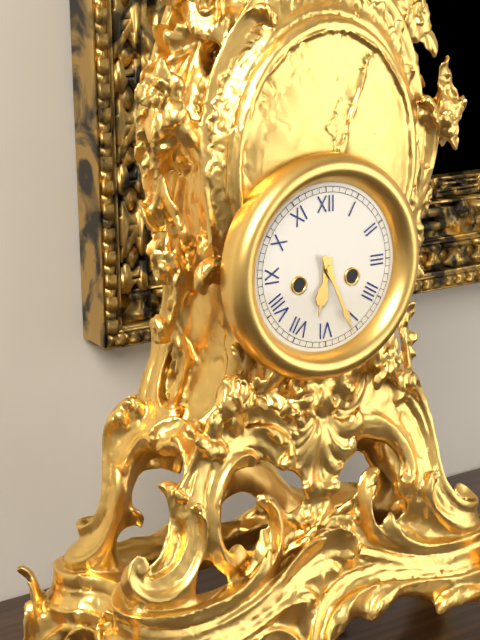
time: 6:26
